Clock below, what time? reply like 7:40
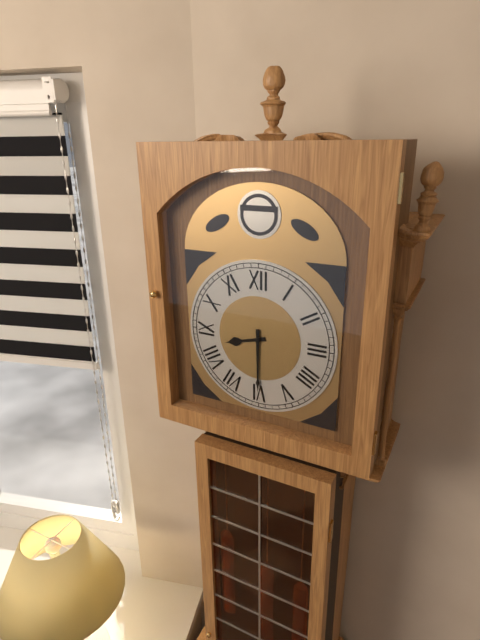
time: 8:30
